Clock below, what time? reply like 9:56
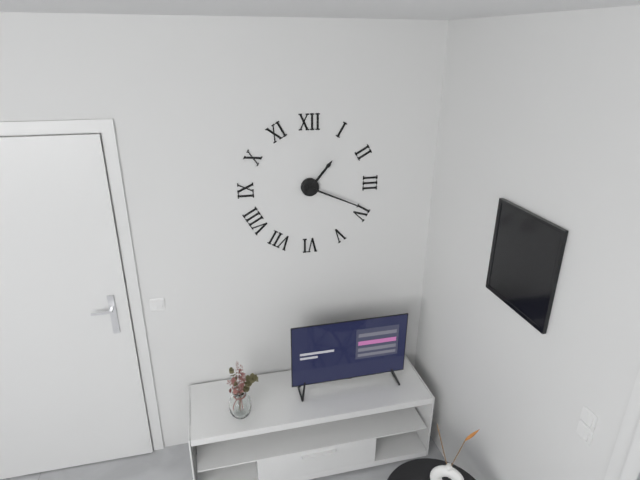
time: 1:19
